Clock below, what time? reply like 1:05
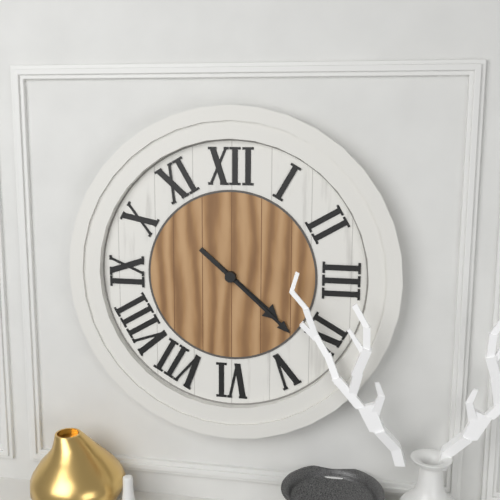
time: 4:22
